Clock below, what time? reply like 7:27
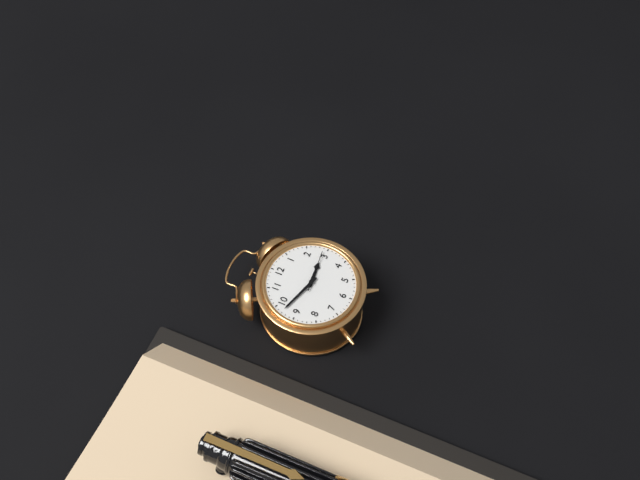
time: 2:48
